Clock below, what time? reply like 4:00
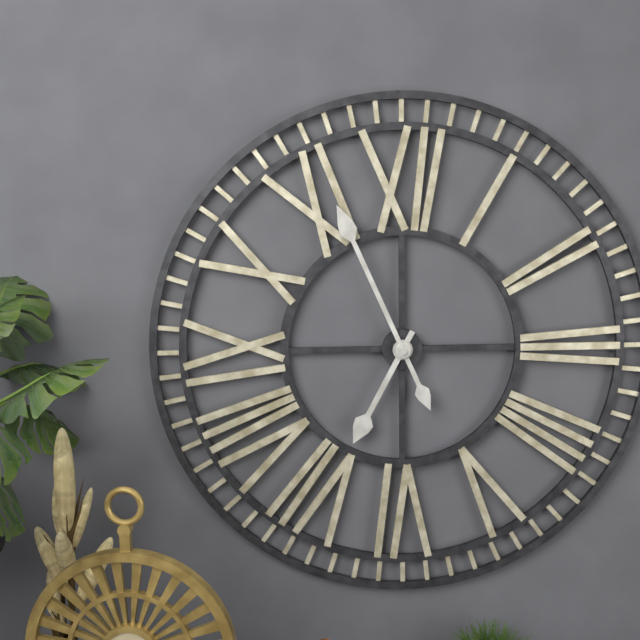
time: 6:56
